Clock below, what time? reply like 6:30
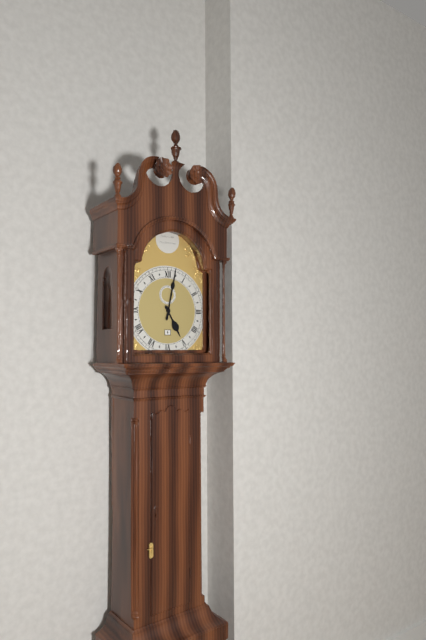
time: 5:02
